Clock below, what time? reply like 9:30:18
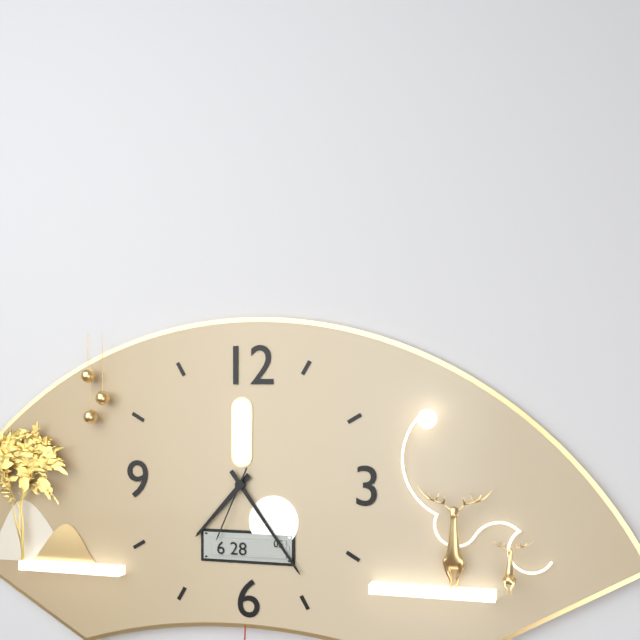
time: 7:24:34
